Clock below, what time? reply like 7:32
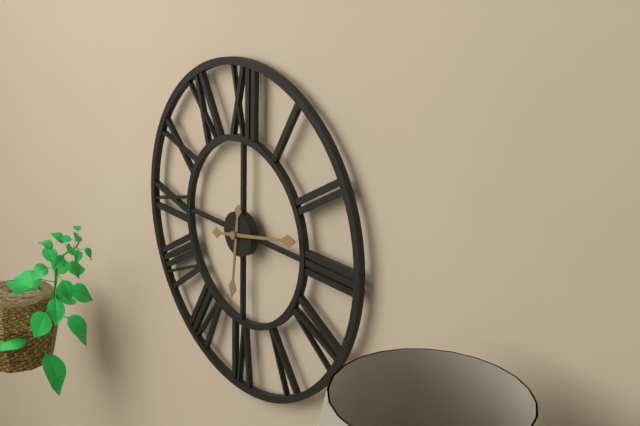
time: 6:13
